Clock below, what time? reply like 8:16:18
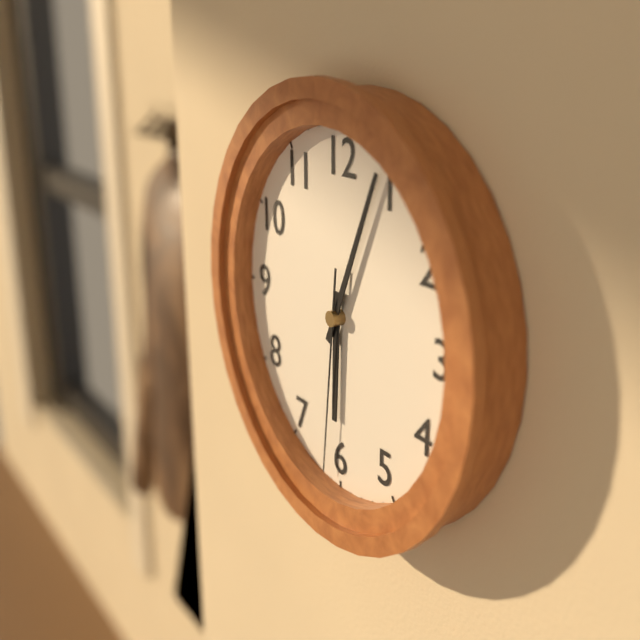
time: 6:04:31
